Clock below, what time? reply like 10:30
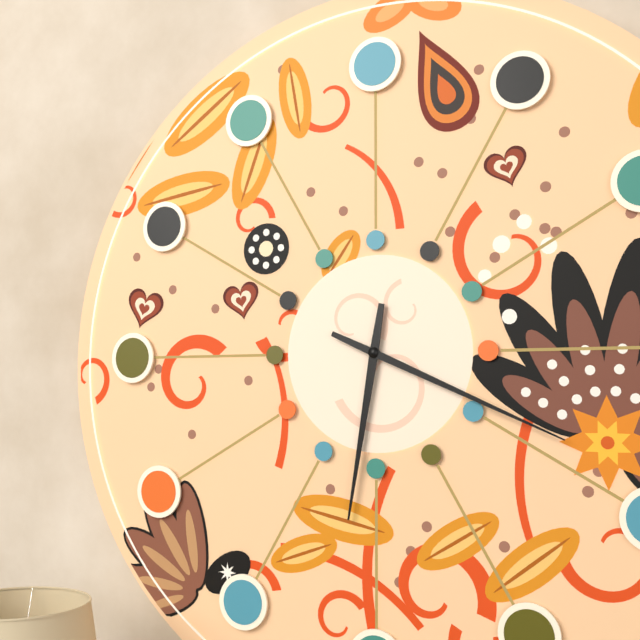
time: 6:19
